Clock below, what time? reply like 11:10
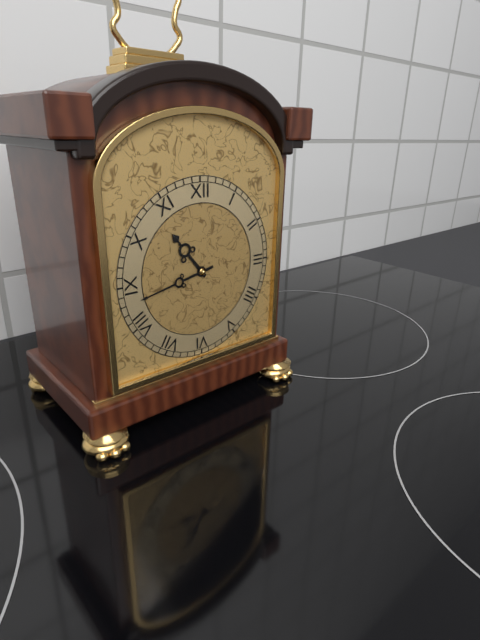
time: 10:43
